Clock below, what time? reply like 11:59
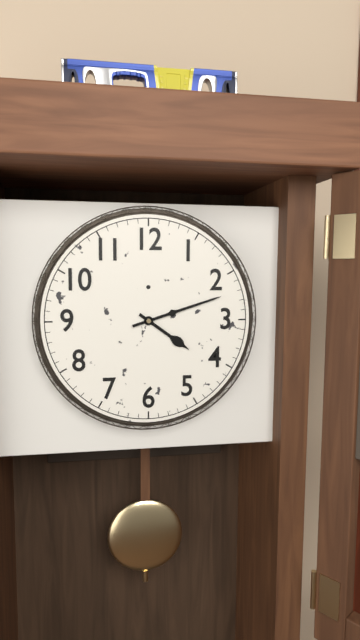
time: 4:12
